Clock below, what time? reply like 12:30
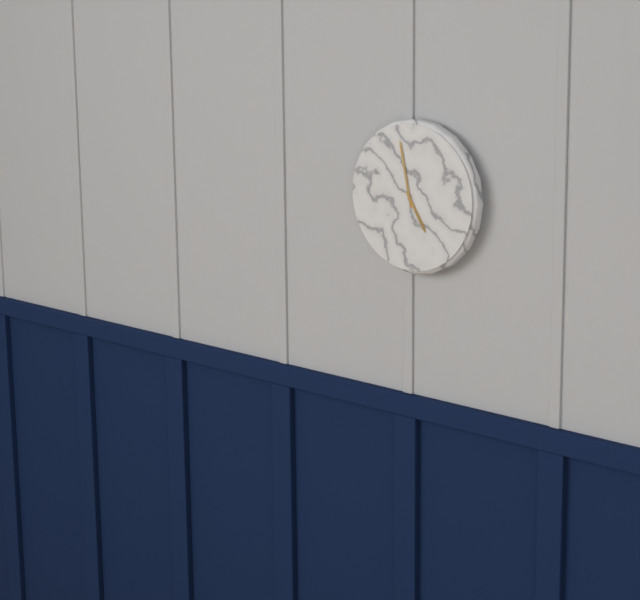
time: 4:58
